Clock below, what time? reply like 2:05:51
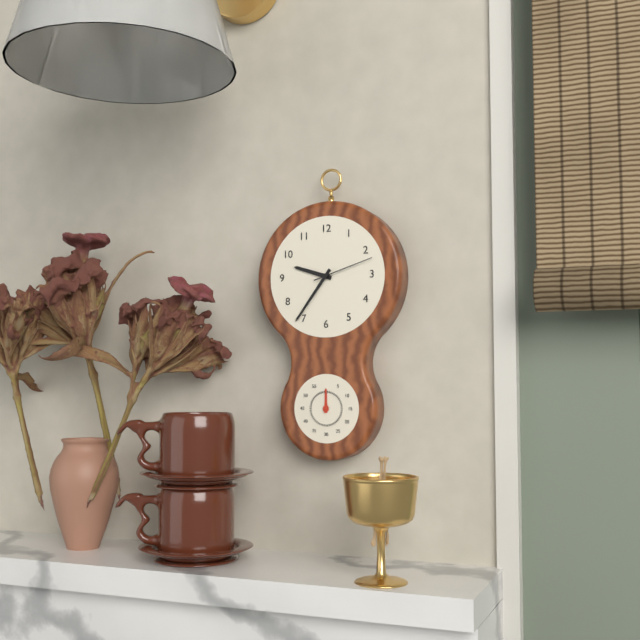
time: 9:36:12
